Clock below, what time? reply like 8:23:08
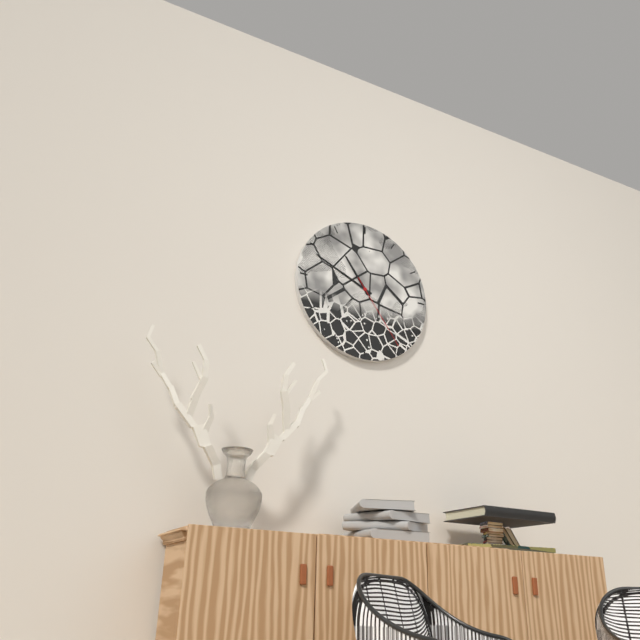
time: 10:49:24
